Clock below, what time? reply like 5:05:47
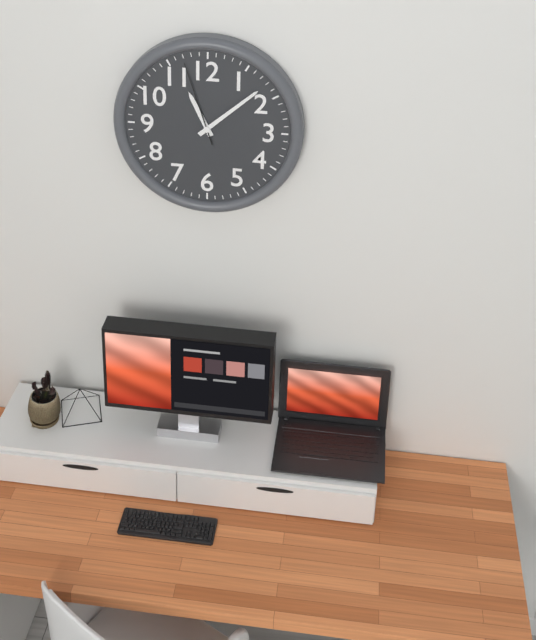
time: 11:08:57
